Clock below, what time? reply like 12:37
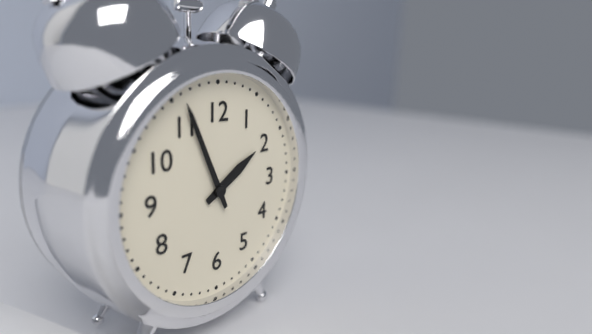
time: 1:56
